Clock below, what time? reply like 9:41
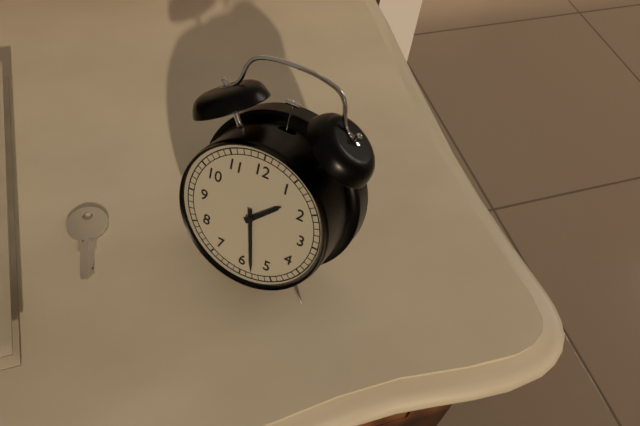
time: 1:28
